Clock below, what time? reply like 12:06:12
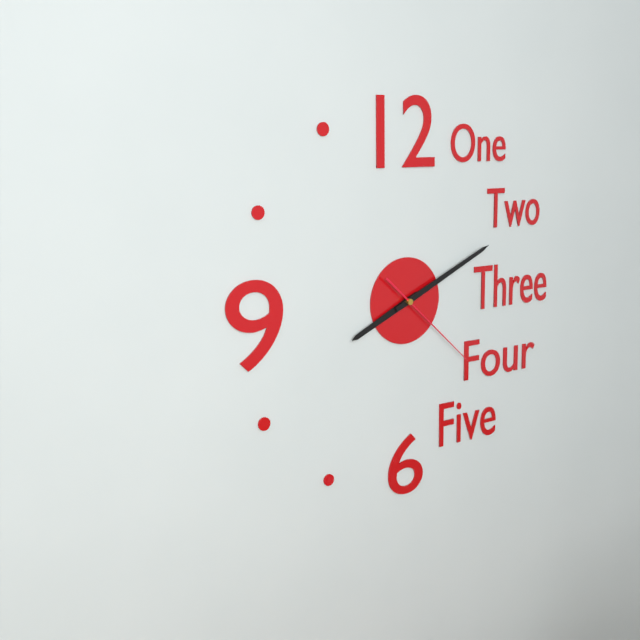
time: 8:11:22
